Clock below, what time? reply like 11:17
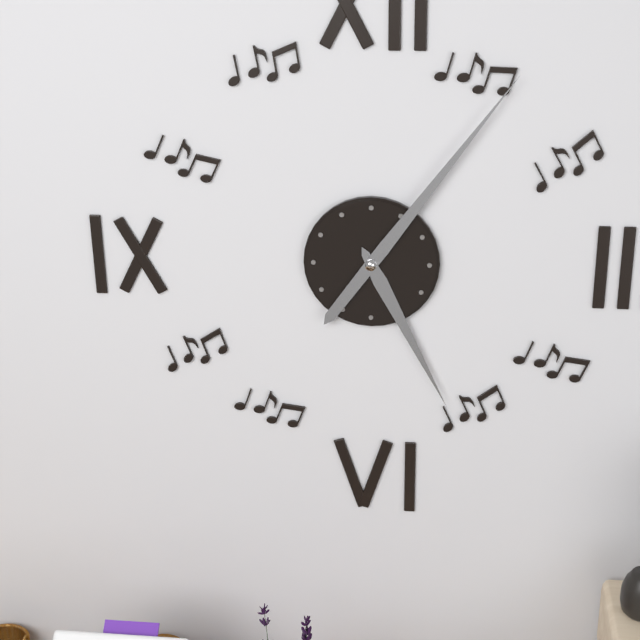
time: 5:06
